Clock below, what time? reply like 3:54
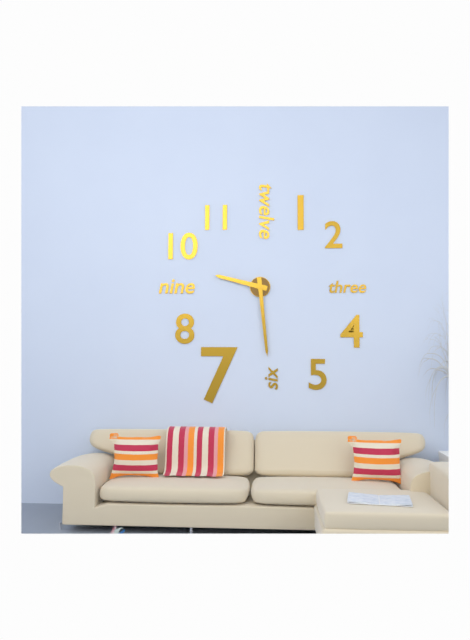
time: 9:29
